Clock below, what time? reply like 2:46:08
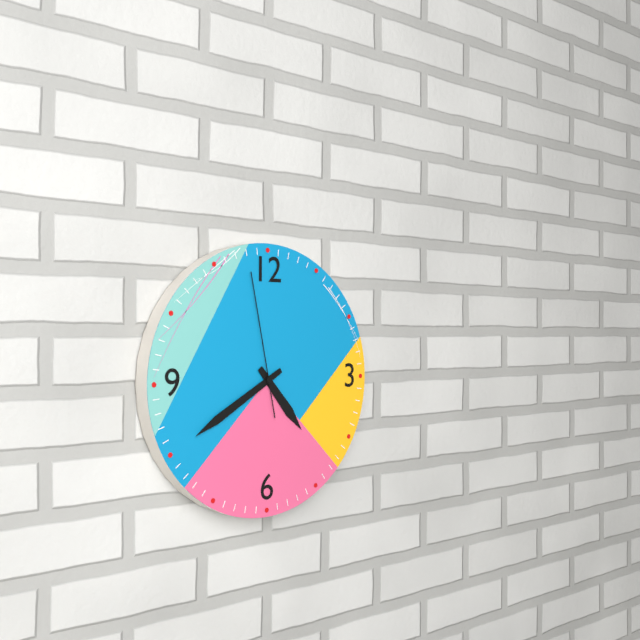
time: 4:40:58
